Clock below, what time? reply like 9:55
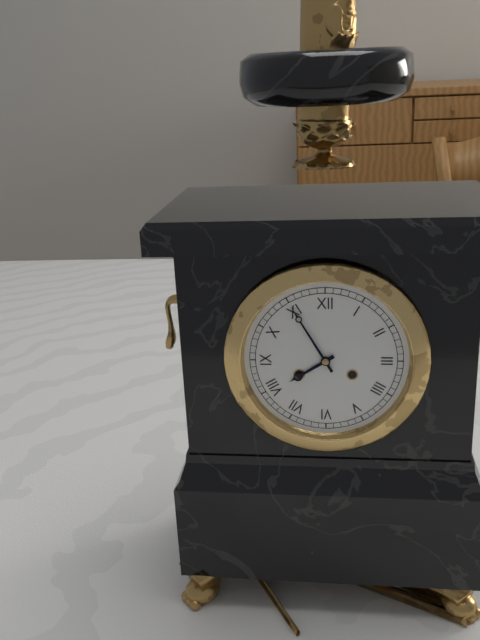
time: 7:55
